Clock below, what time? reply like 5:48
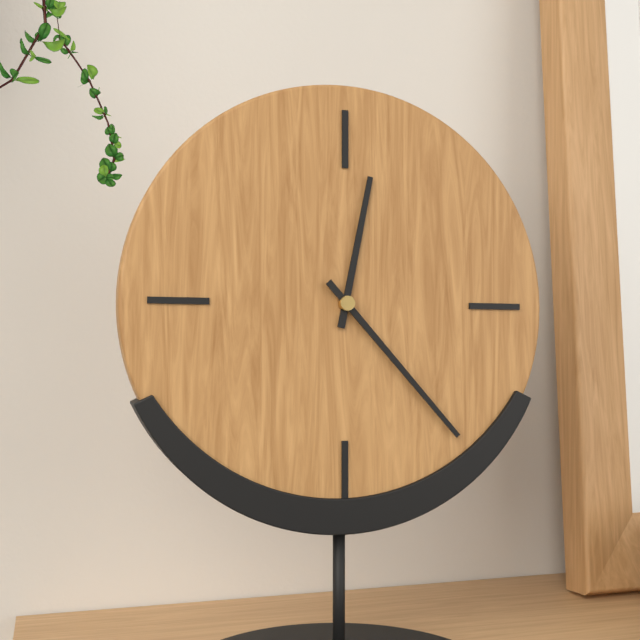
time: 12:23
